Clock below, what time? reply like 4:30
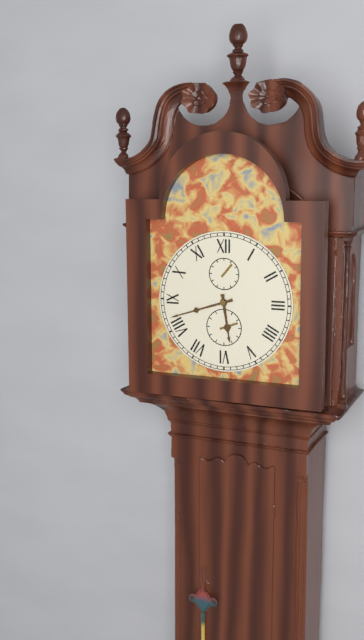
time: 5:42
